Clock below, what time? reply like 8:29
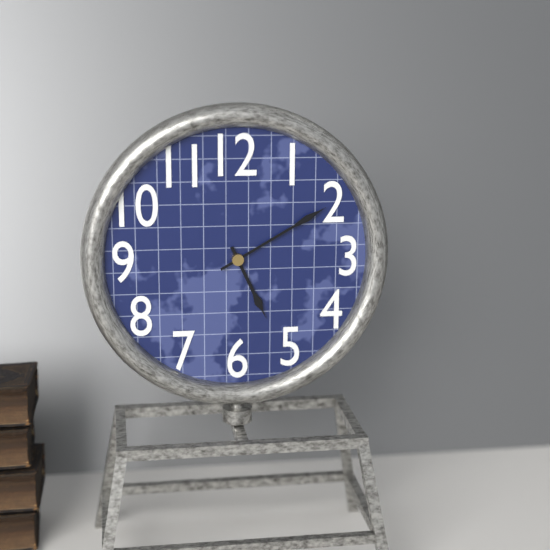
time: 5:10
